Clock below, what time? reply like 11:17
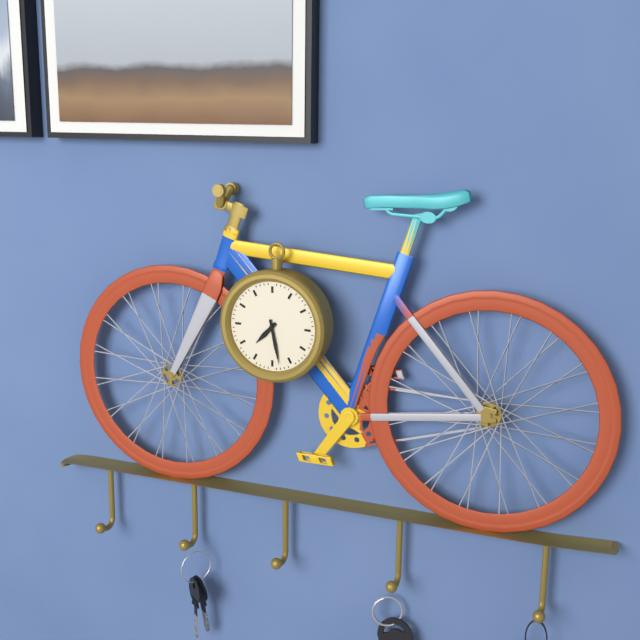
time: 7:28
